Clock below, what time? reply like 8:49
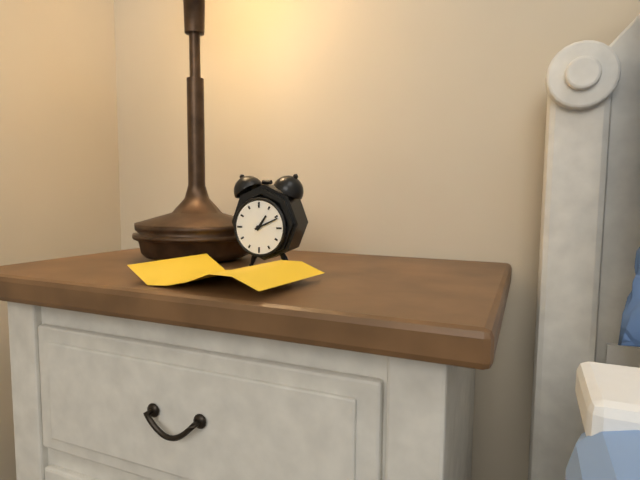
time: 1:11
